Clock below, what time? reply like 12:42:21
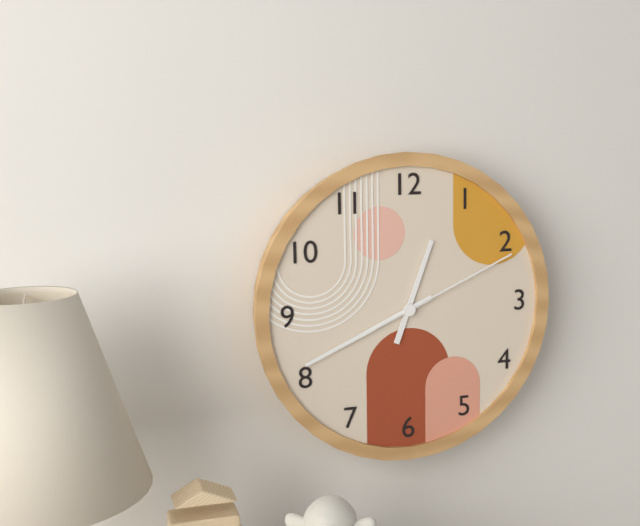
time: 12:41:11
